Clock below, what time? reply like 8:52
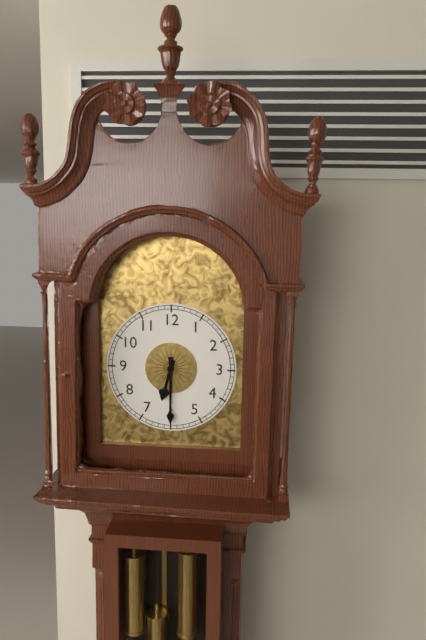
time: 6:30
